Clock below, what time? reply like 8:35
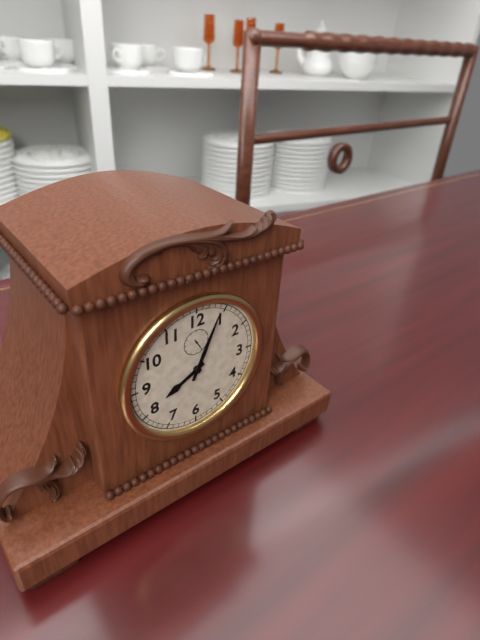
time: 8:04
